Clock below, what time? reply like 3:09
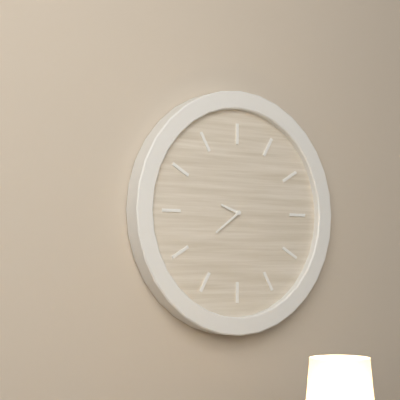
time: 9:39
